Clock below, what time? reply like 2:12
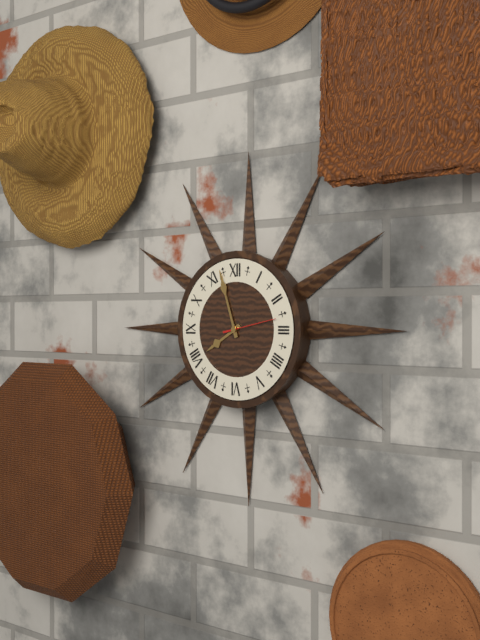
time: 7:57
